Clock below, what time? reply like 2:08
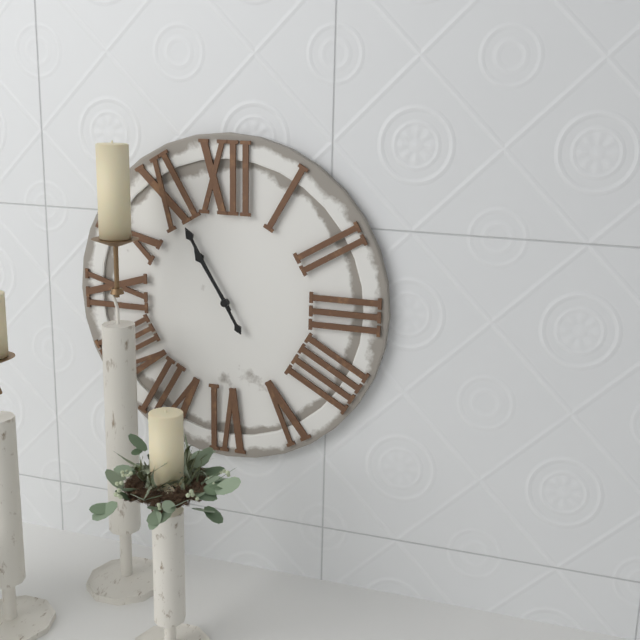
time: 10:55
